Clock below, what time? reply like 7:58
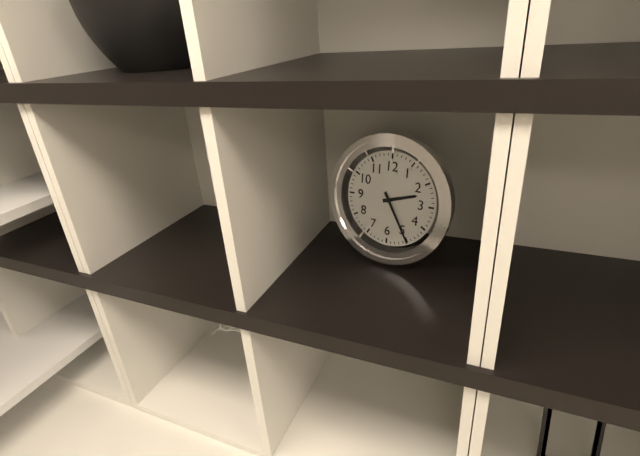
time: 2:25
